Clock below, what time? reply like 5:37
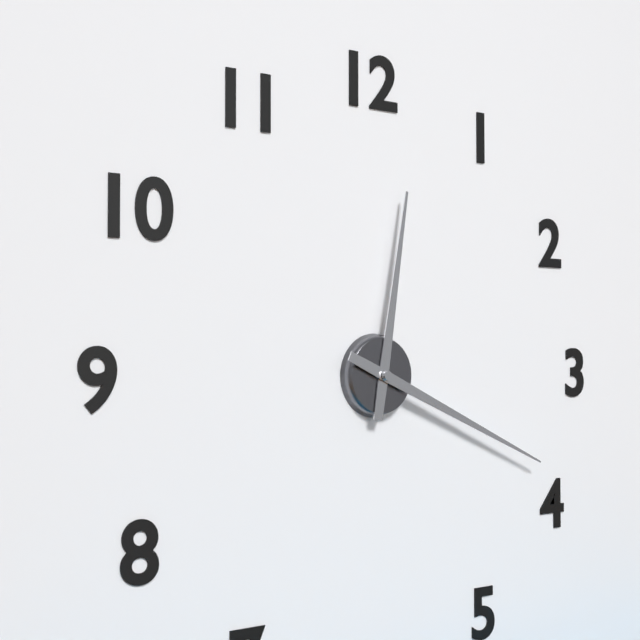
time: 12:19
